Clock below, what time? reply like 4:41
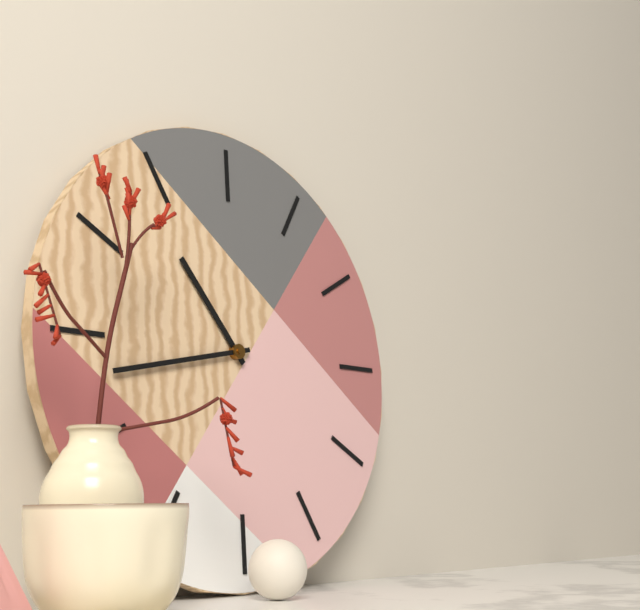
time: 10:43
